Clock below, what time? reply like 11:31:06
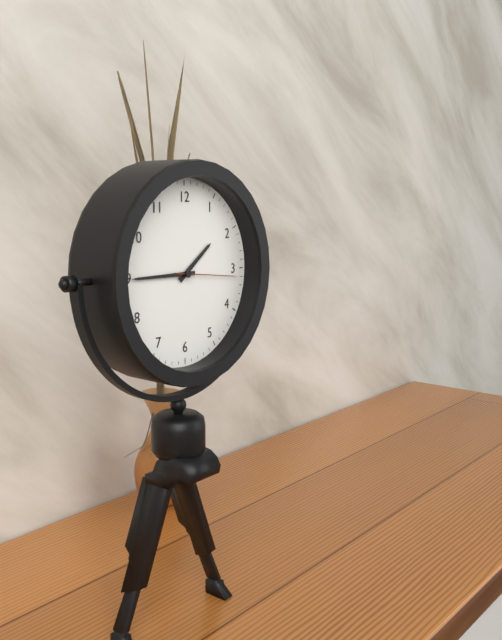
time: 1:45:16
